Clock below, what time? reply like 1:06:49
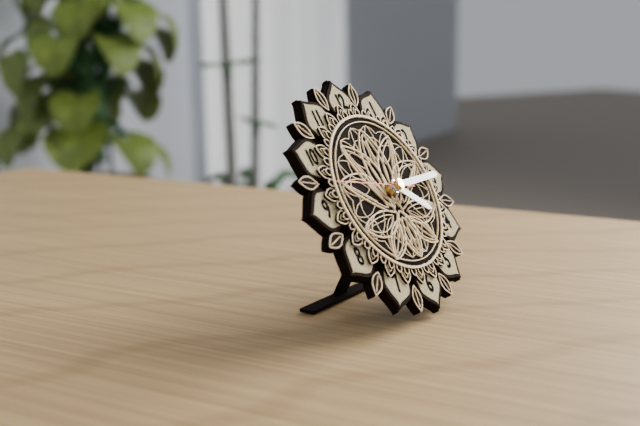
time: 4:15:47
